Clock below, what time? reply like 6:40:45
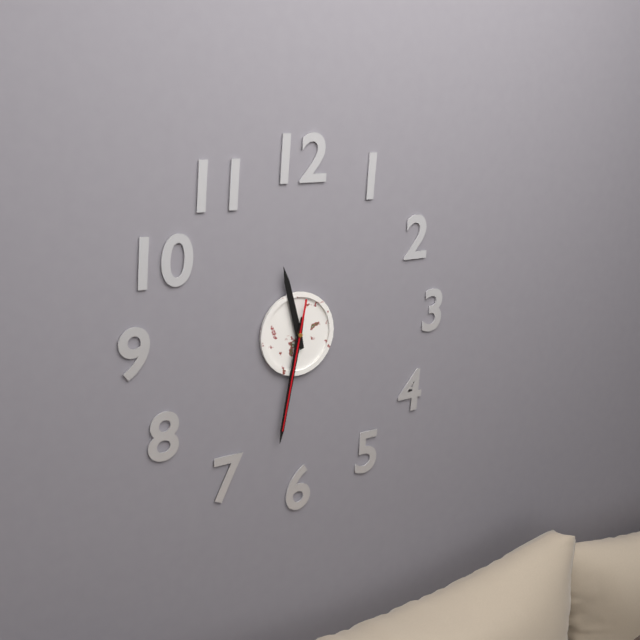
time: 11:32:32
